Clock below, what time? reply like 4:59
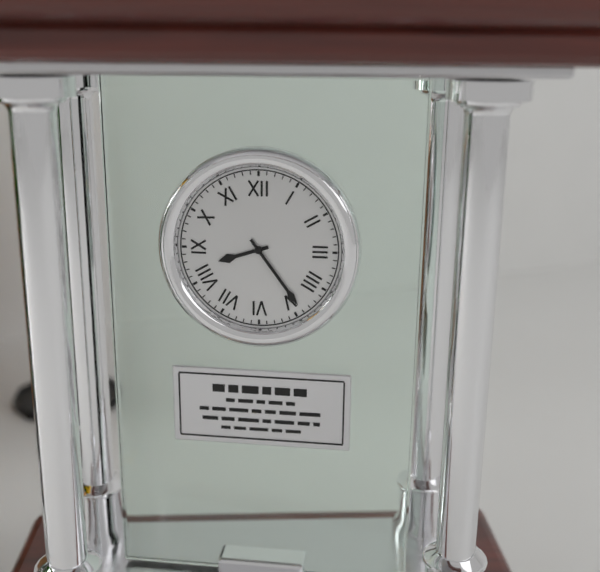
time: 8:24
